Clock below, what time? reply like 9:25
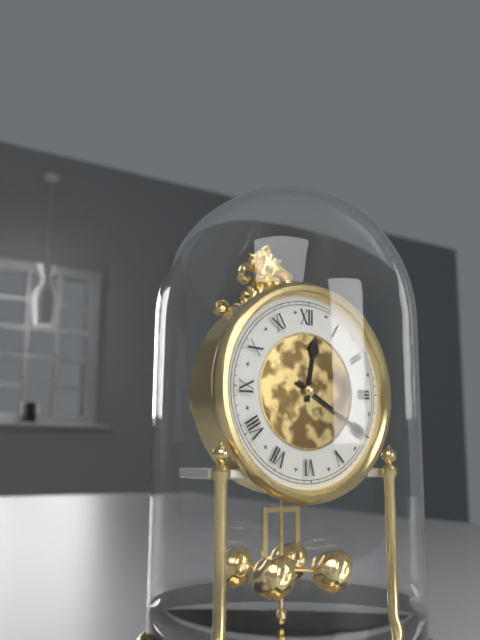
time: 12:20
